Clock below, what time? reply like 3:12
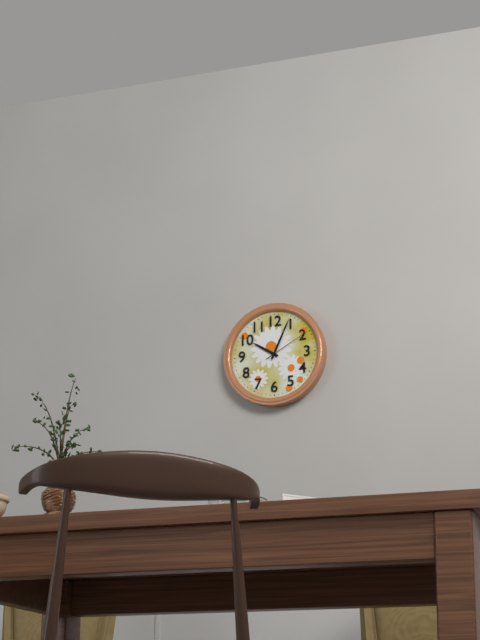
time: 10:04
